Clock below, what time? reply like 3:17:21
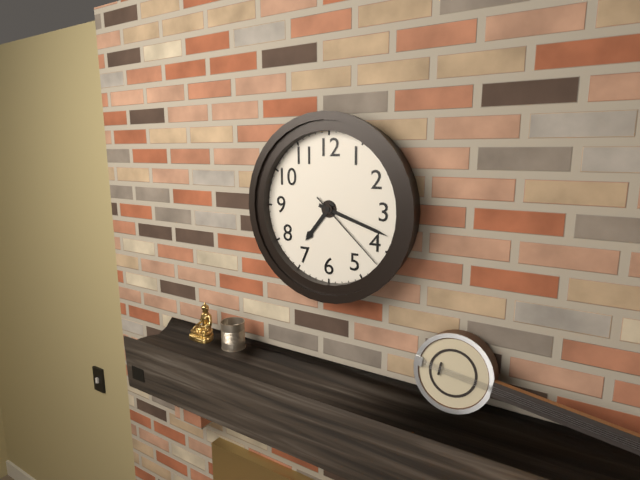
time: 7:18:22
